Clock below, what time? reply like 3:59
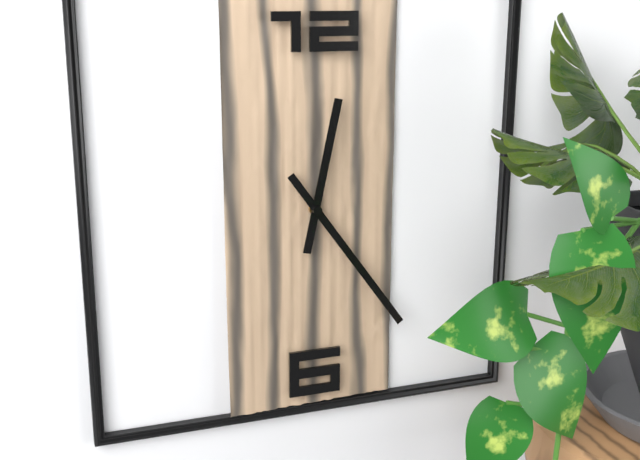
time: 12:24
